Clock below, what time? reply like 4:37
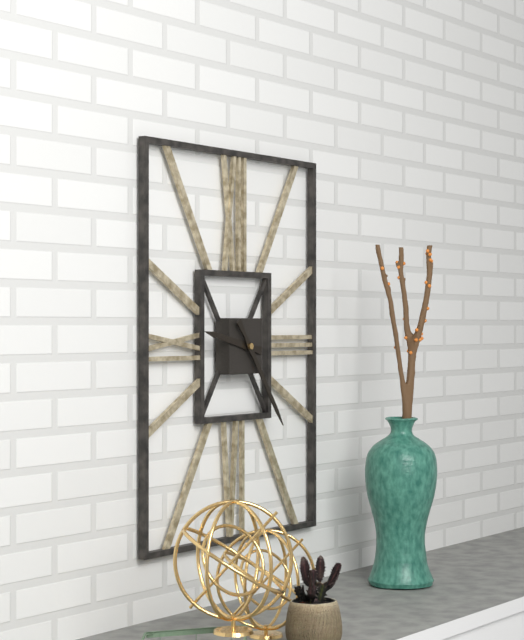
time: 9:24
